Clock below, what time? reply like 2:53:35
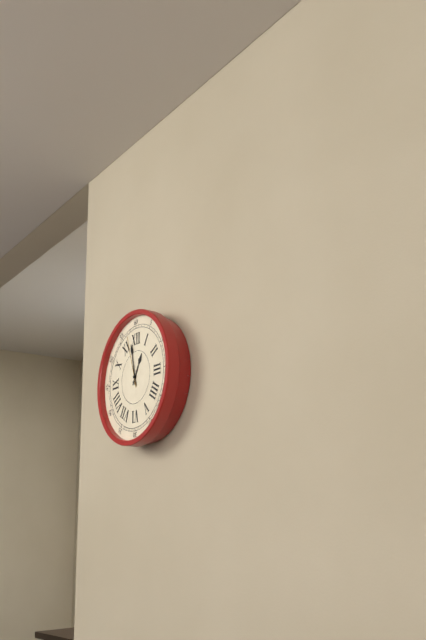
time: 12:58:57
